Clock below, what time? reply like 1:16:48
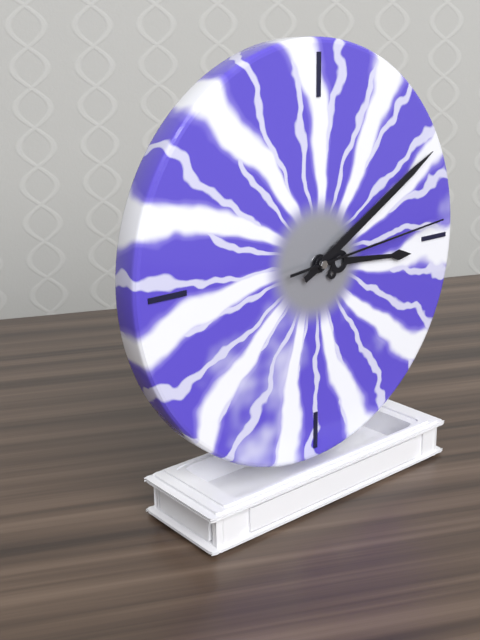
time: 3:10:14
